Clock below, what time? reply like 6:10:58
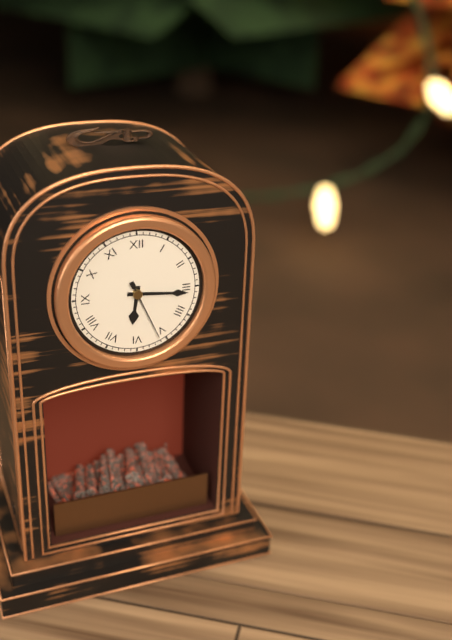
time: 6:16:26
